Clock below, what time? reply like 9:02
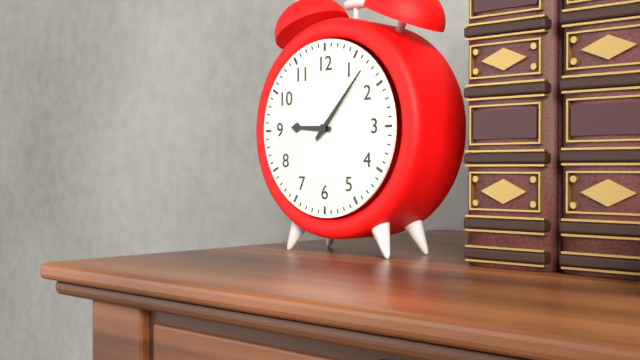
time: 9:07
